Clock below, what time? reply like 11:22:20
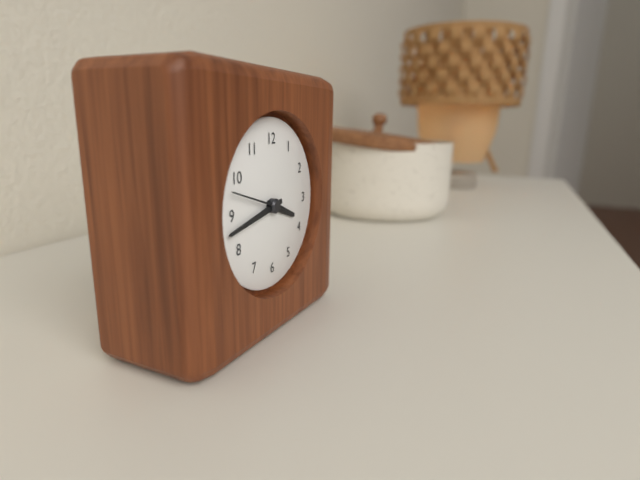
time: 3:43:48
